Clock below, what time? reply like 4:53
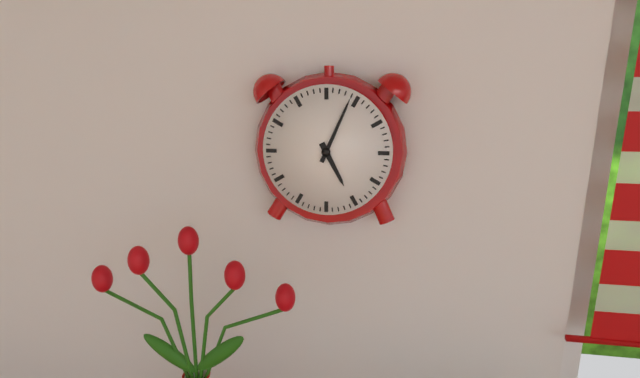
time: 5:04
